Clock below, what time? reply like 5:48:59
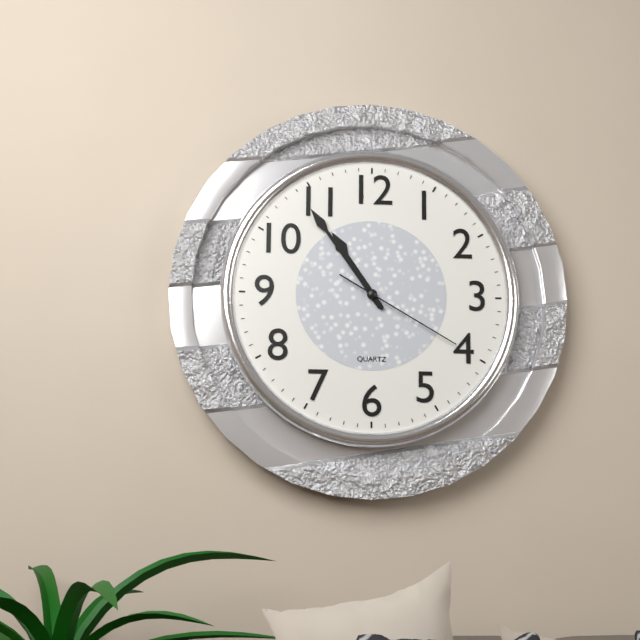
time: 10:54:20
